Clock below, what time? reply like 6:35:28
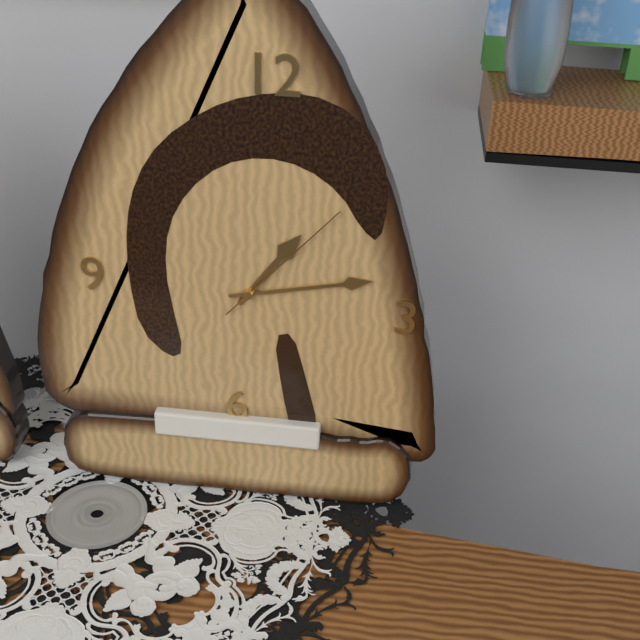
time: 1:13:07
